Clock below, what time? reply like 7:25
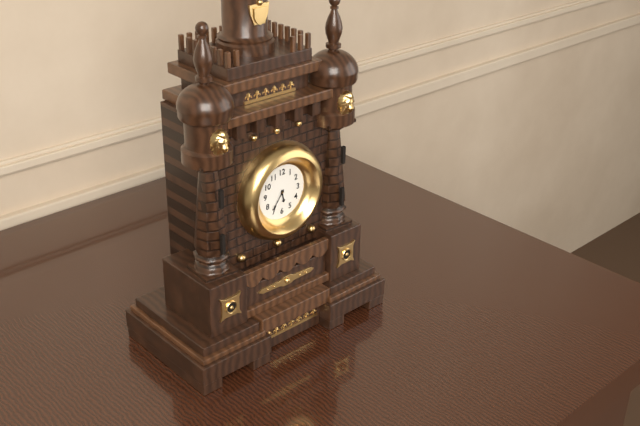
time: 5:36
